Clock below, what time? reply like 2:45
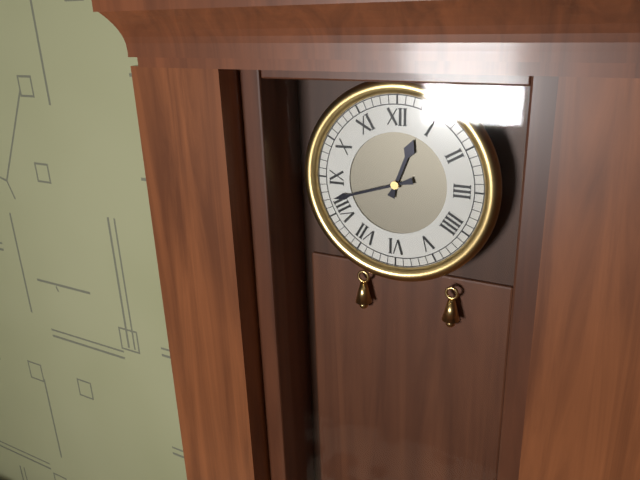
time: 12:42
